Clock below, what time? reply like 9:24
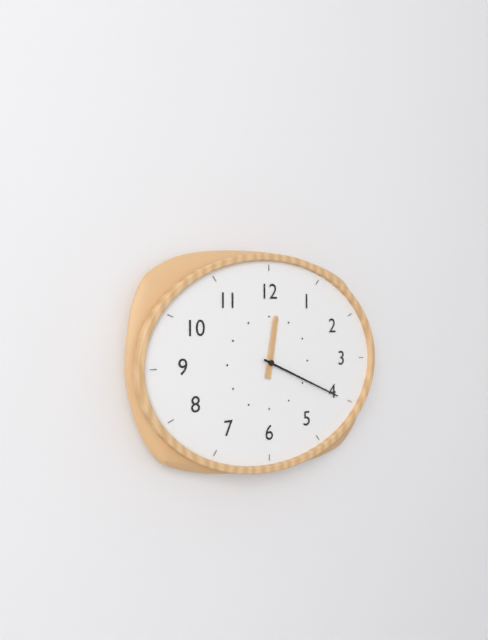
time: 12:19
